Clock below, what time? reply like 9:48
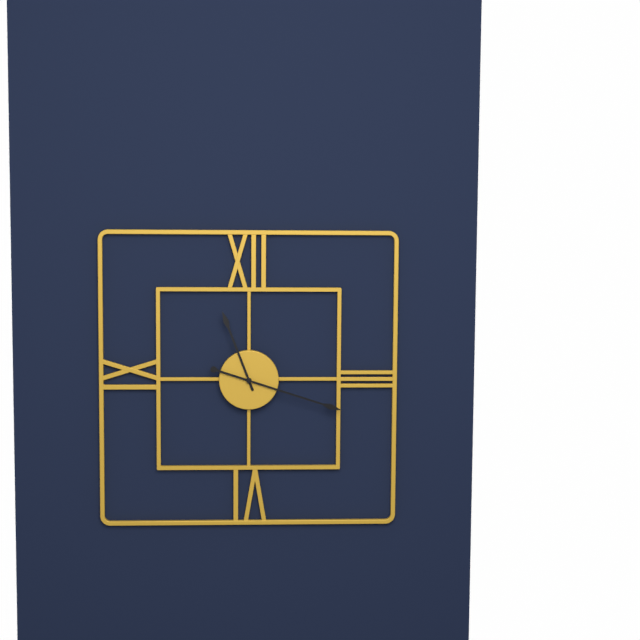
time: 11:18
